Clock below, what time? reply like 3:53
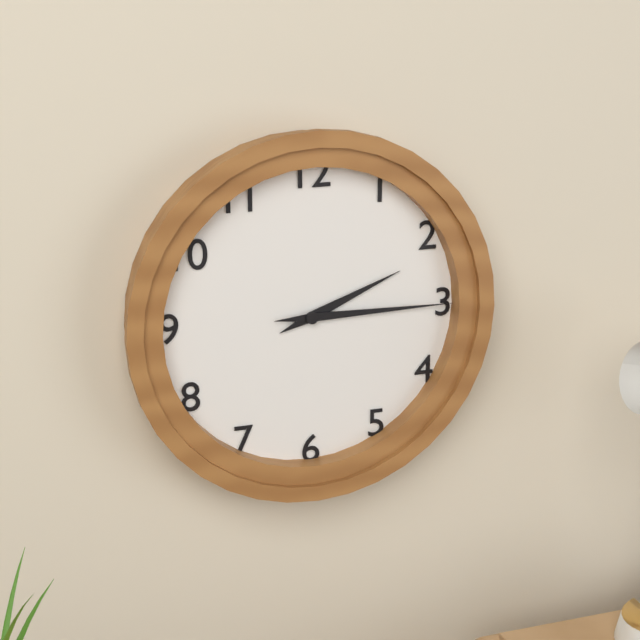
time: 2:15
